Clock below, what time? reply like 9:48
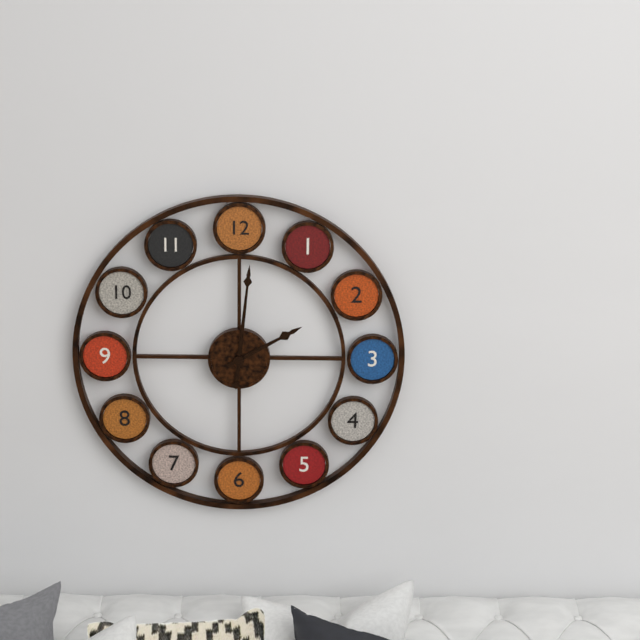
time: 2:01
